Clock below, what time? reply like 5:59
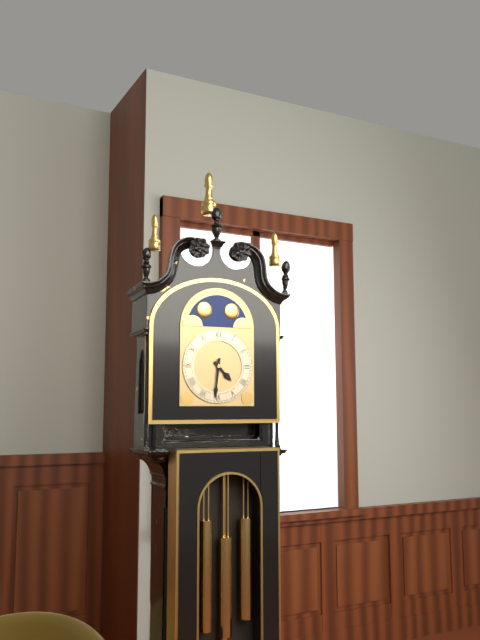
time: 4:31
